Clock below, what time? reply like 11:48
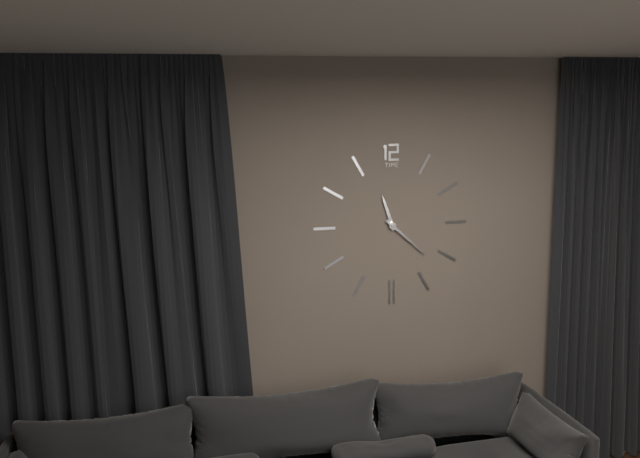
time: 11:22
